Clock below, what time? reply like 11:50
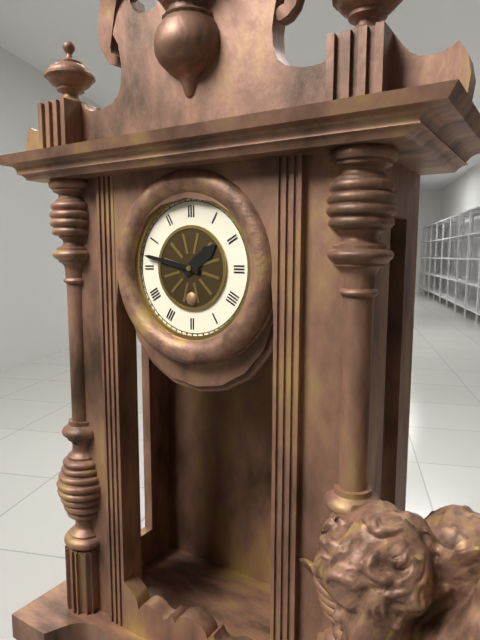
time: 1:47
